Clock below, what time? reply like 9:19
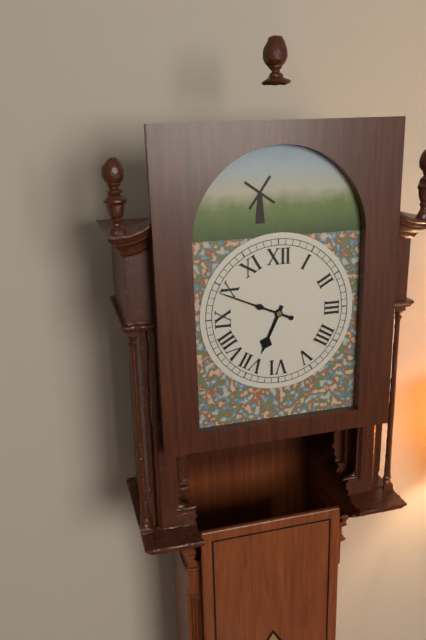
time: 6:49
